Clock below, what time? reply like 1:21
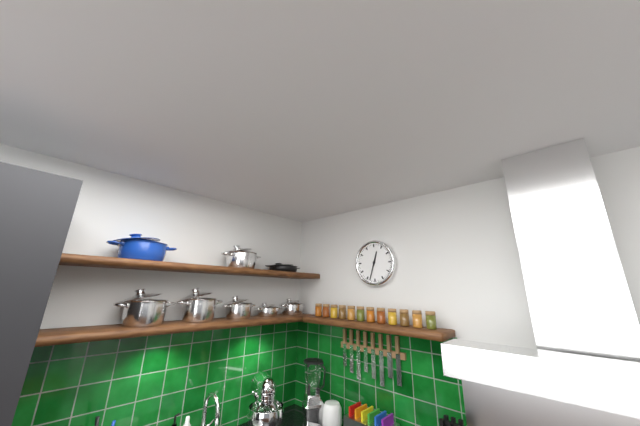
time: 12:33
